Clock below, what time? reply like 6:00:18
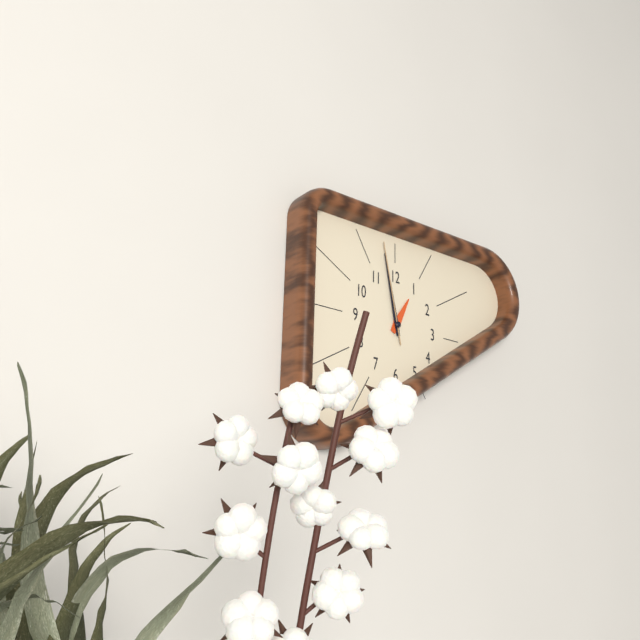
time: 12:58:58
